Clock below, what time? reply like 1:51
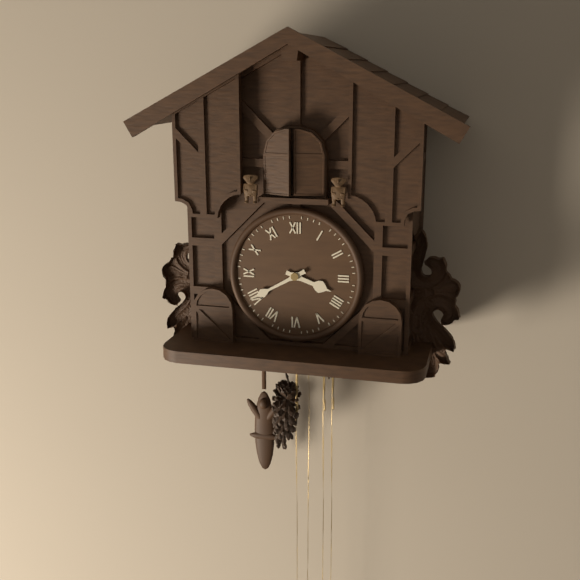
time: 3:40
